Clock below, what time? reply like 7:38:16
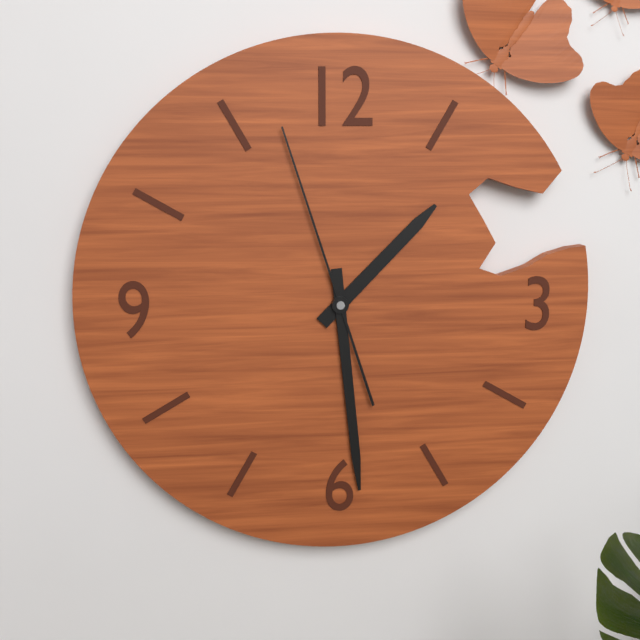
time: 1:29:57
